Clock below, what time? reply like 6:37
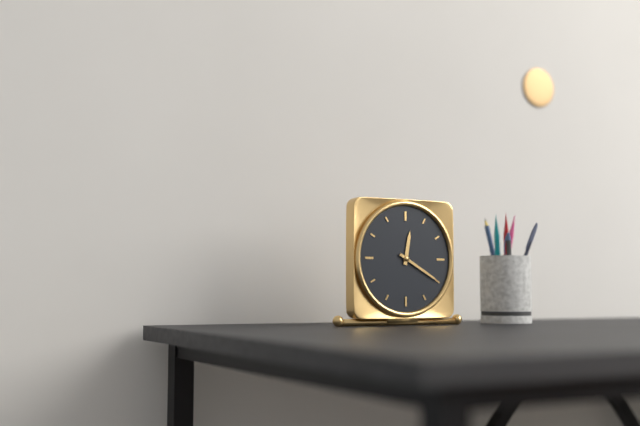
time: 12:20
